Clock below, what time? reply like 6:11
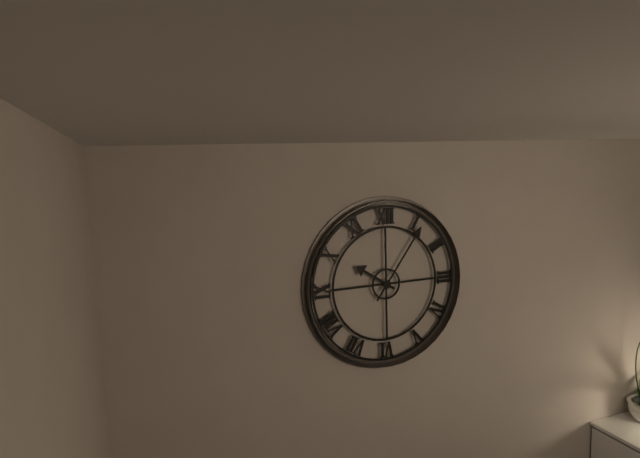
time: 10:06
